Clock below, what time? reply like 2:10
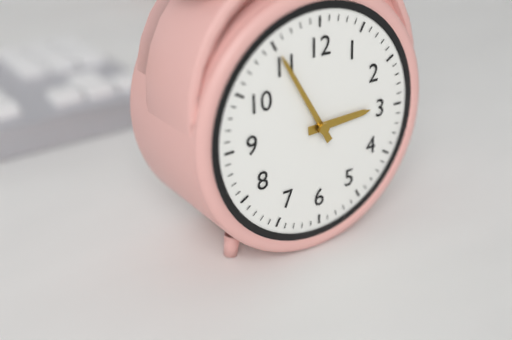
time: 2:55
